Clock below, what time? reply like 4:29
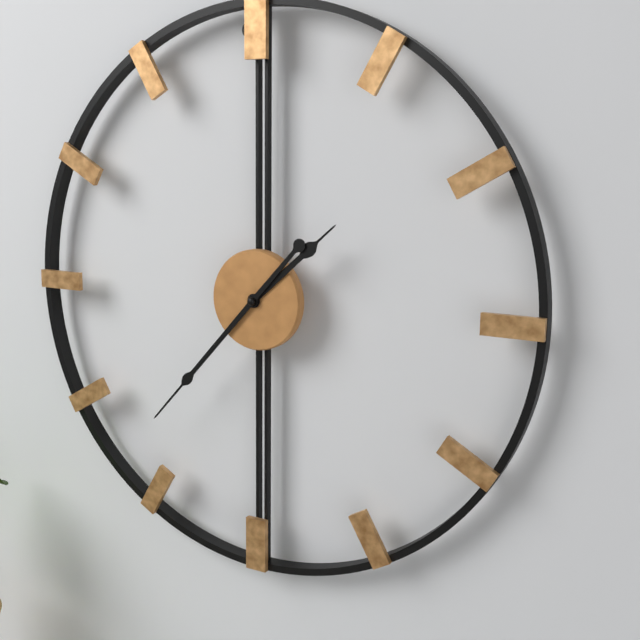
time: 1:37
